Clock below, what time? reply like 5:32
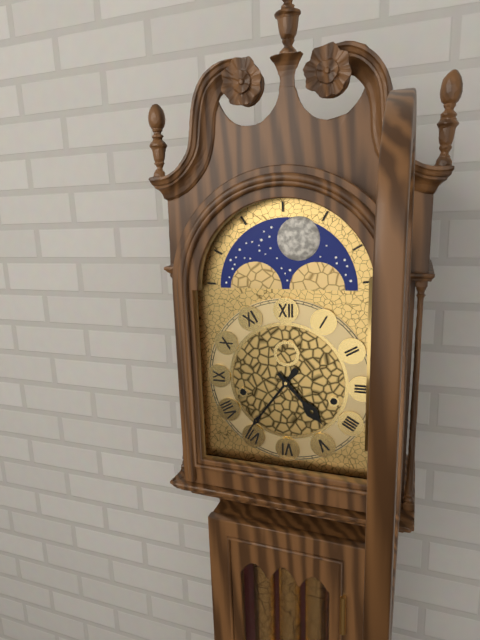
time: 4:36
